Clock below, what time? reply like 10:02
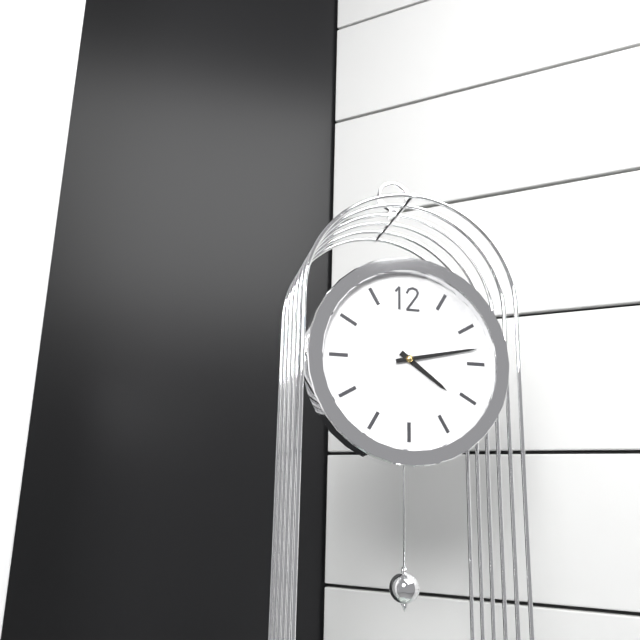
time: 4:13
